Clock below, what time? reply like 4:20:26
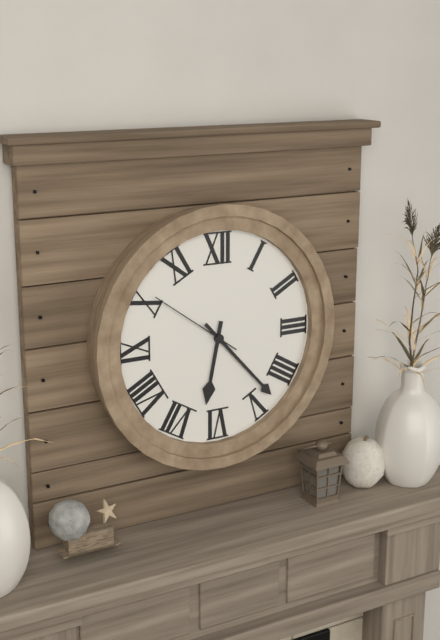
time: 6:23:51
